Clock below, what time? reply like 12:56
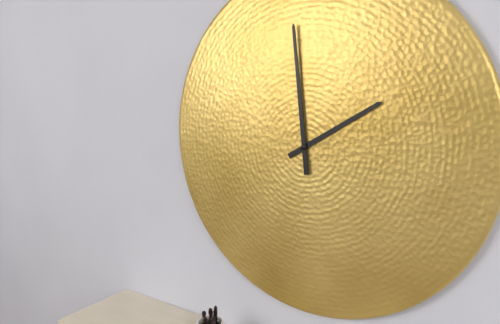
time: 1:59
